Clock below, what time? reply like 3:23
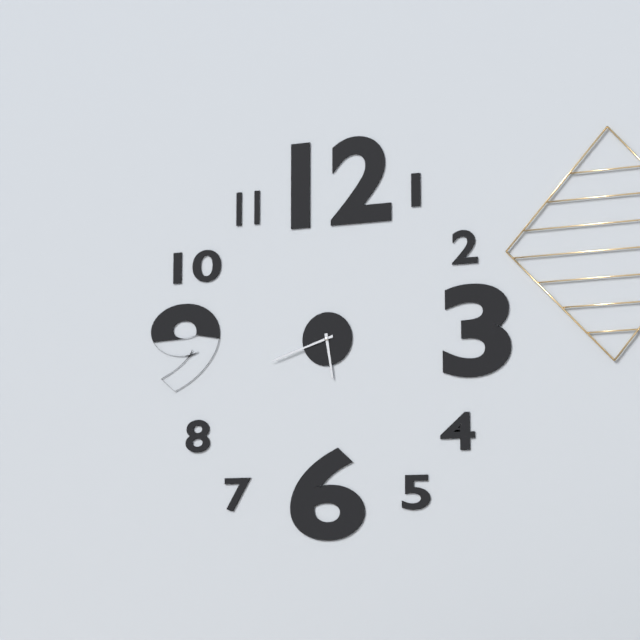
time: 5:42
